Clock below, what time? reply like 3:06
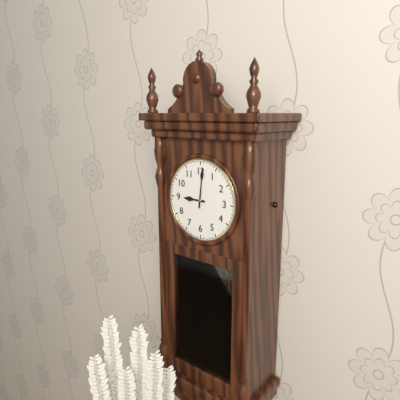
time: 9:01
